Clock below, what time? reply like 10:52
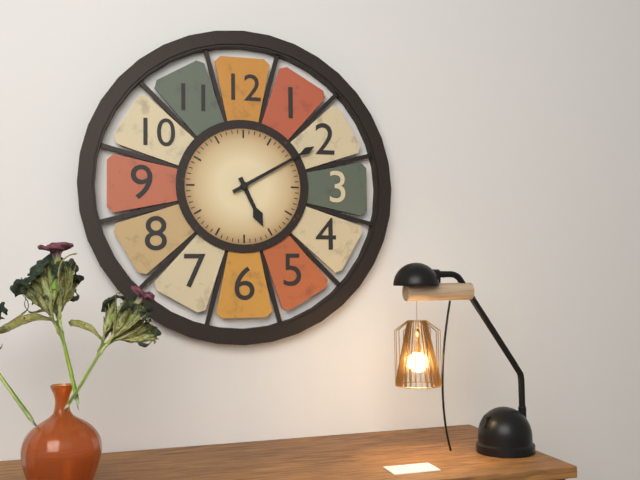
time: 5:10
